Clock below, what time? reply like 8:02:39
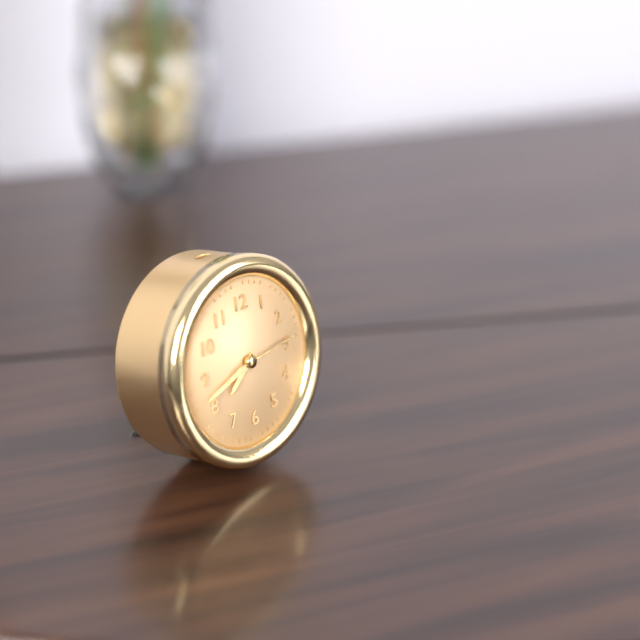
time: 7:42:14
